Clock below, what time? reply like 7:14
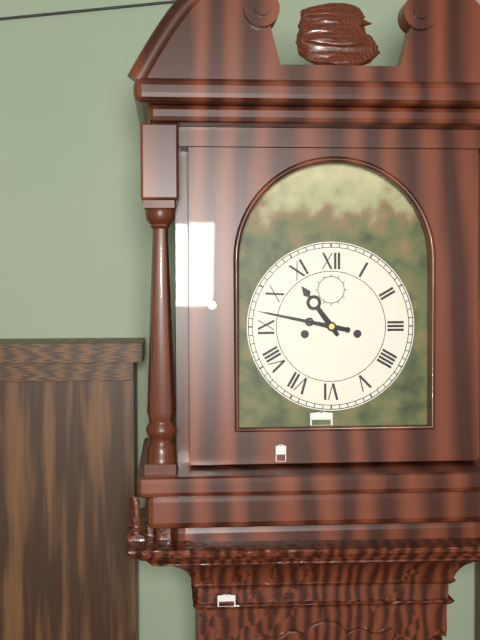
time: 10:47
